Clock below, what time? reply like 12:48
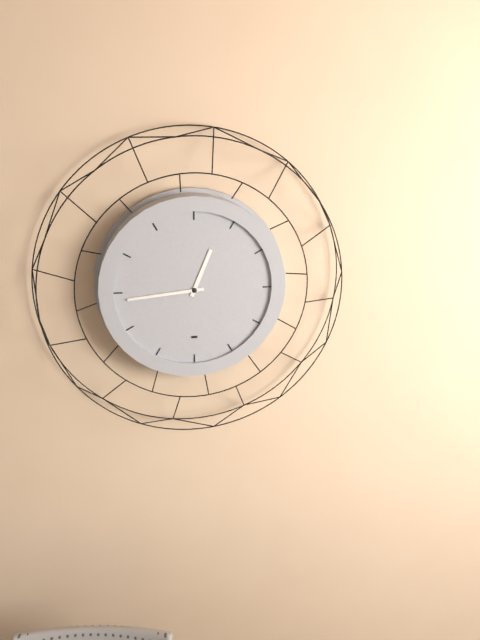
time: 12:44
